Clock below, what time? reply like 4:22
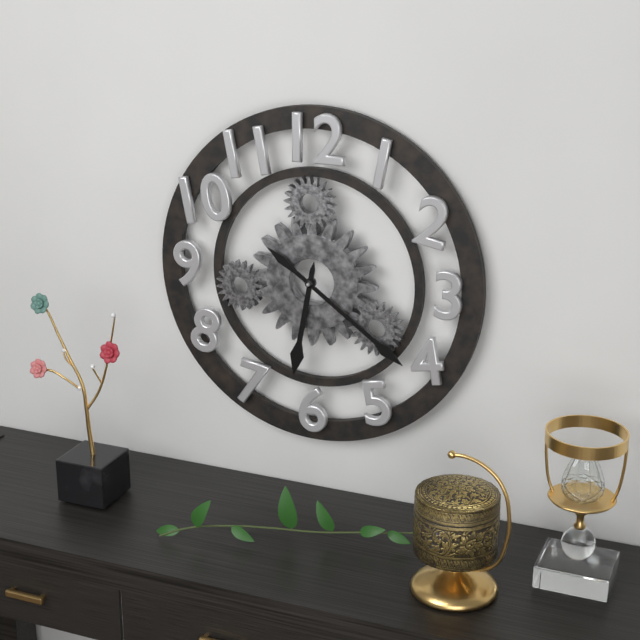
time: 6:21
